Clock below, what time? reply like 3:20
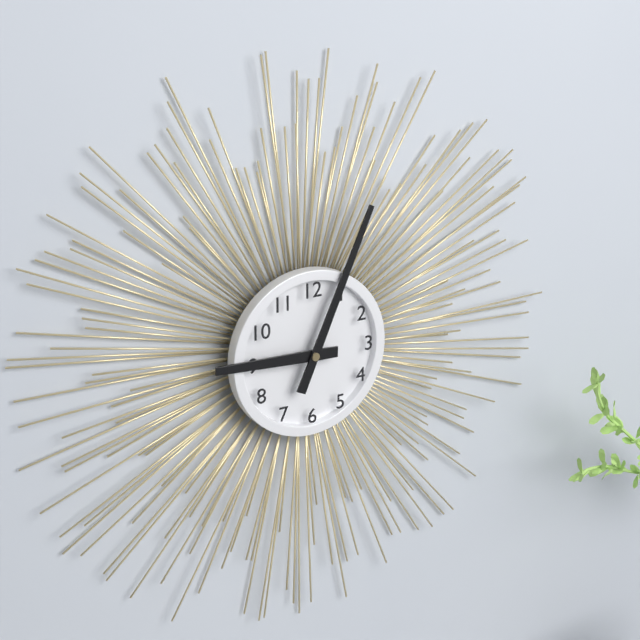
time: 9:04
